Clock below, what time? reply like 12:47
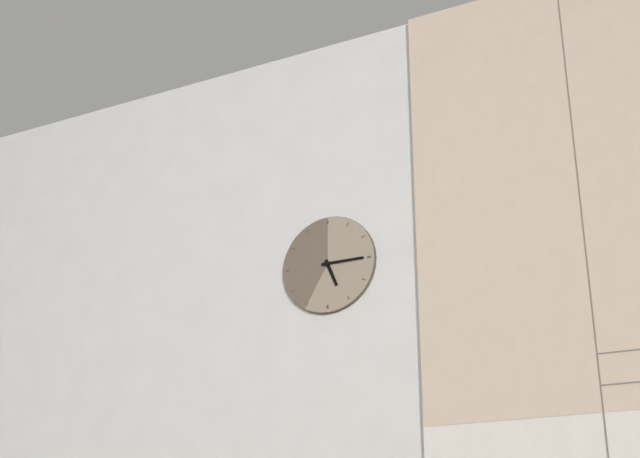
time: 5:15
